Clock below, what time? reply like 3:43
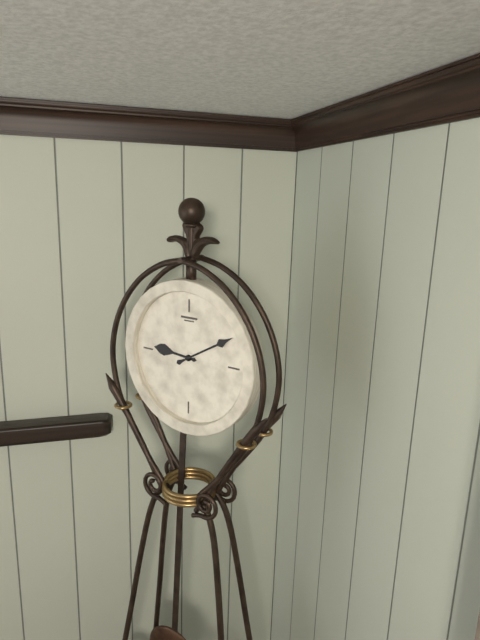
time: 9:10
